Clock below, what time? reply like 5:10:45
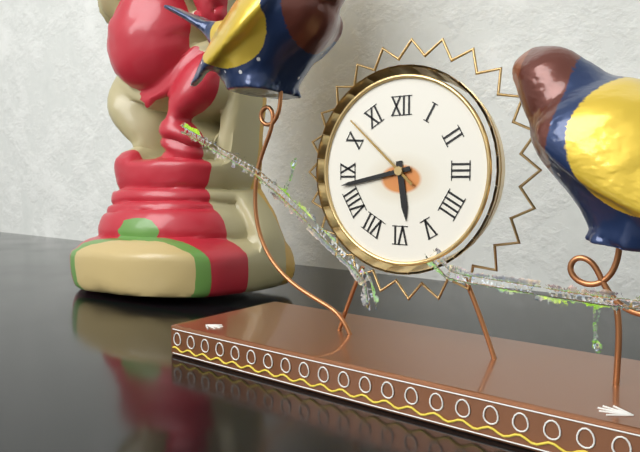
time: 5:43:52
